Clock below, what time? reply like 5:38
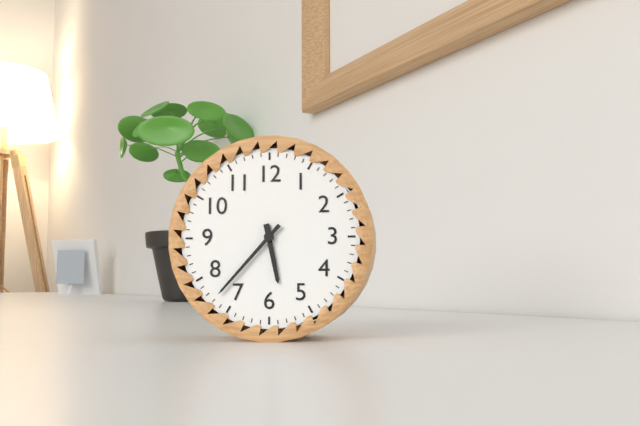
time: 5:37
